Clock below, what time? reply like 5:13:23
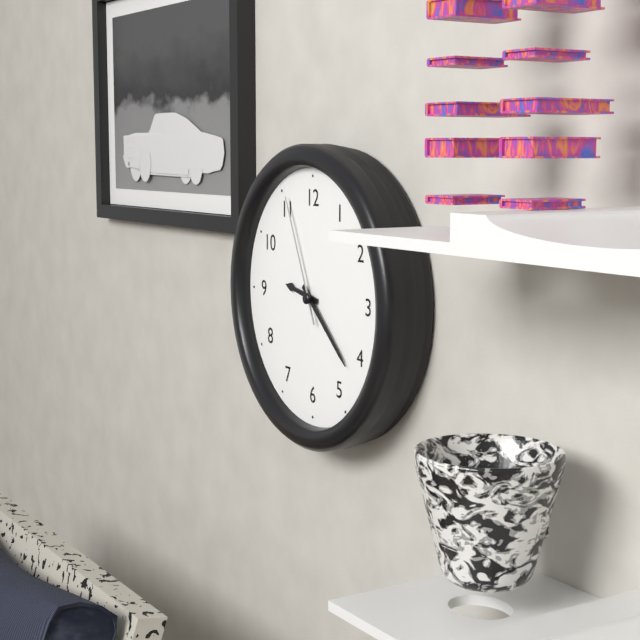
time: 9:22:56
